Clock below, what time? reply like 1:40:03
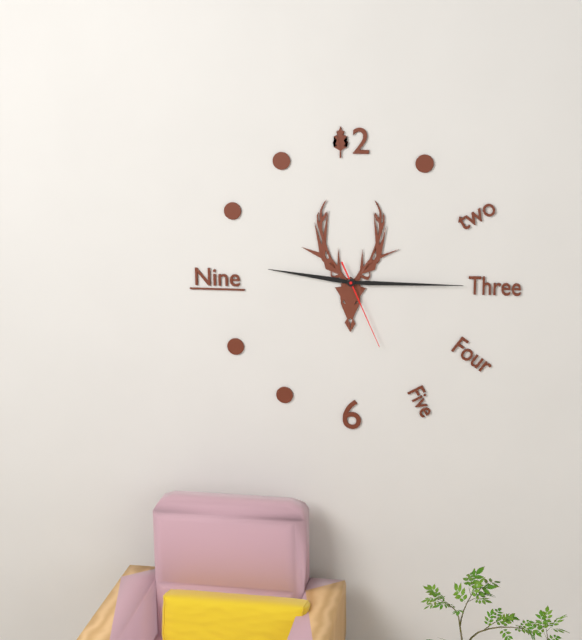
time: 9:15:26
